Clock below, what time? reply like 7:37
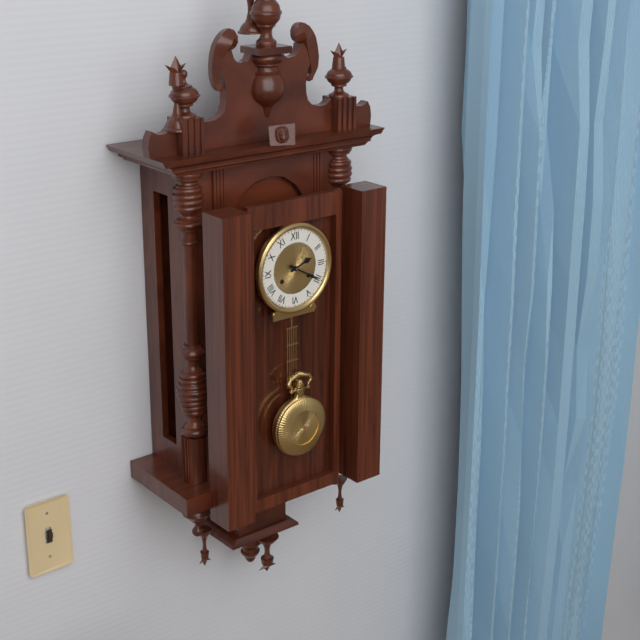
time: 2:20
